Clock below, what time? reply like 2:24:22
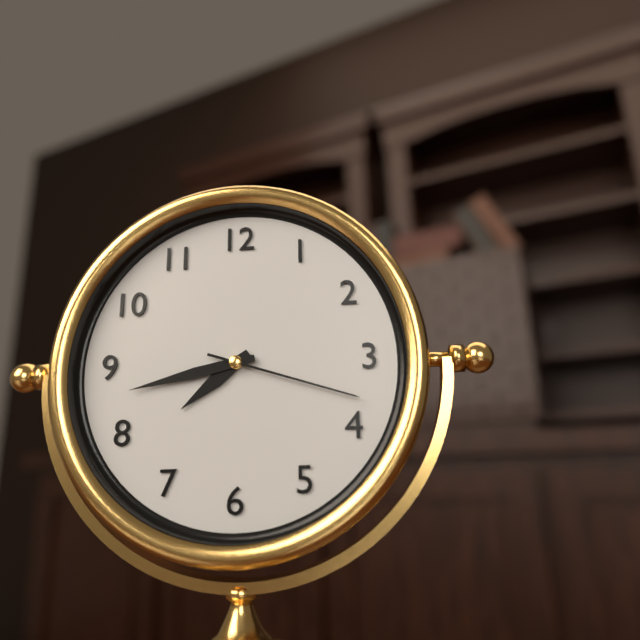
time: 7:43:18
